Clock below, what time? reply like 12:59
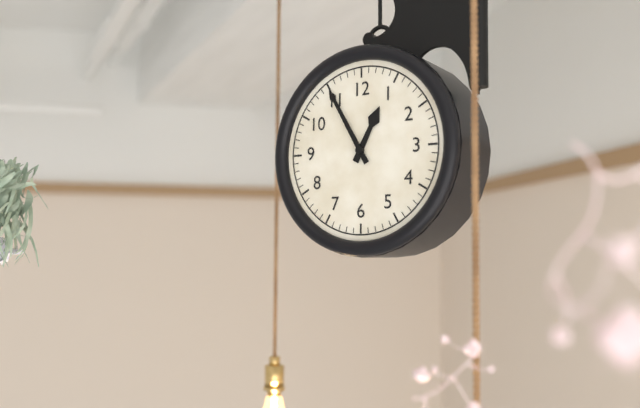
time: 12:55
